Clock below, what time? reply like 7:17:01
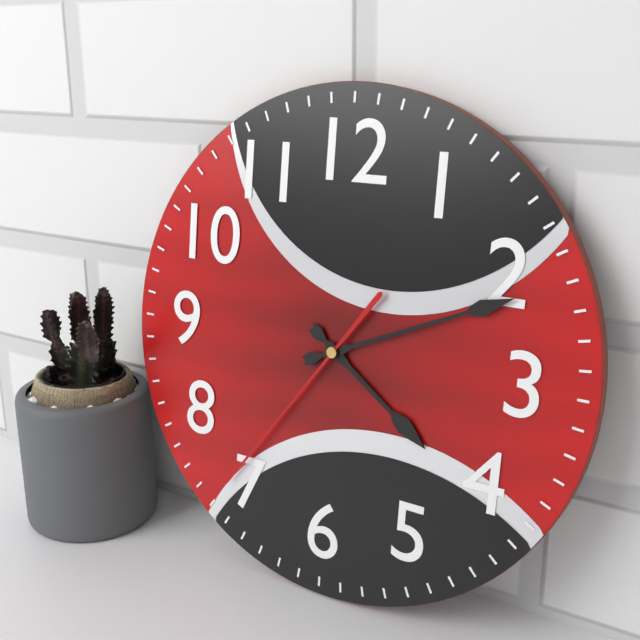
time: 4:11:36
